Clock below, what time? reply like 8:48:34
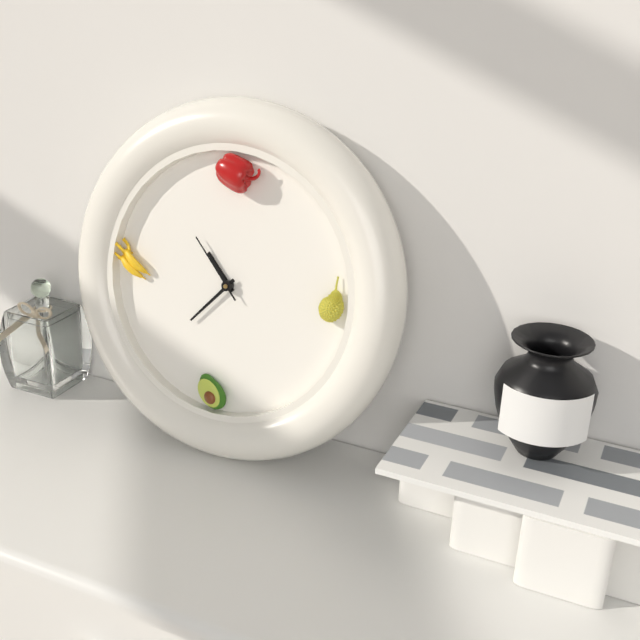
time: 10:37:53
